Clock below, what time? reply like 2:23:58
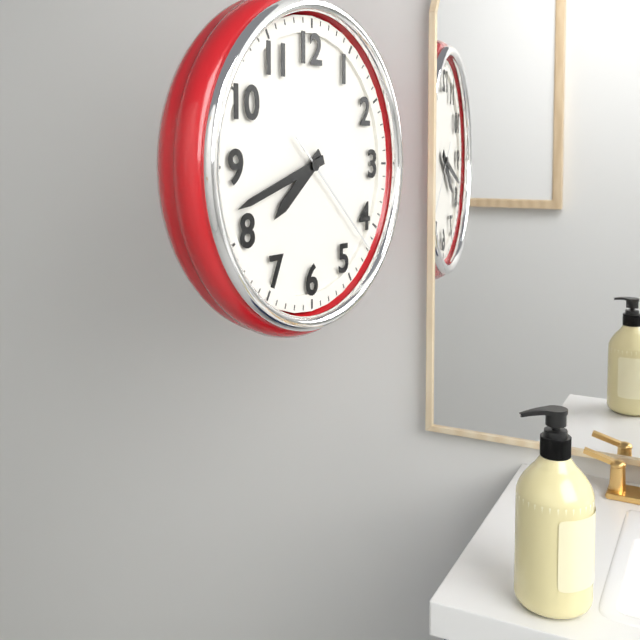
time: 7:42:22
